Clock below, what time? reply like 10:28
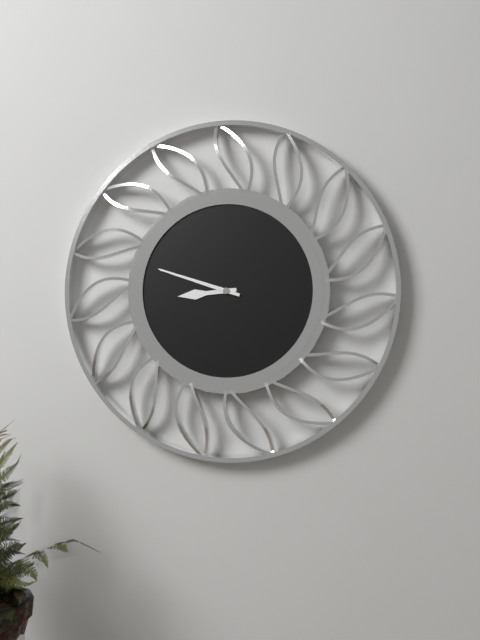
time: 8:48
